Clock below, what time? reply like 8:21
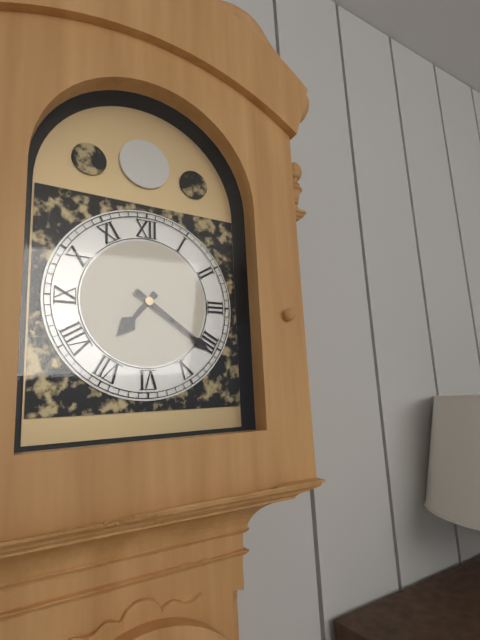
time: 7:21
